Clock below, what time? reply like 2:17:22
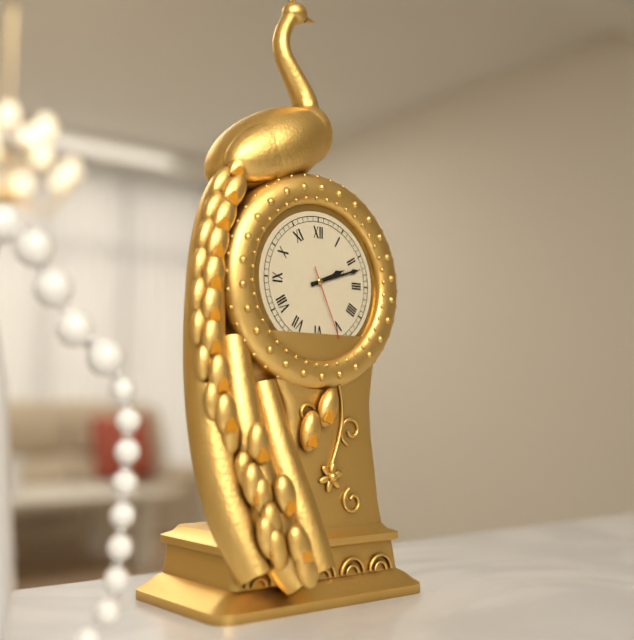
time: 2:12:26
